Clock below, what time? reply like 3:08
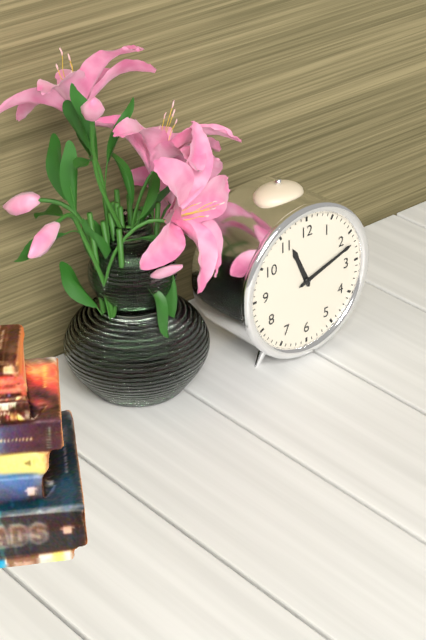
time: 11:12
